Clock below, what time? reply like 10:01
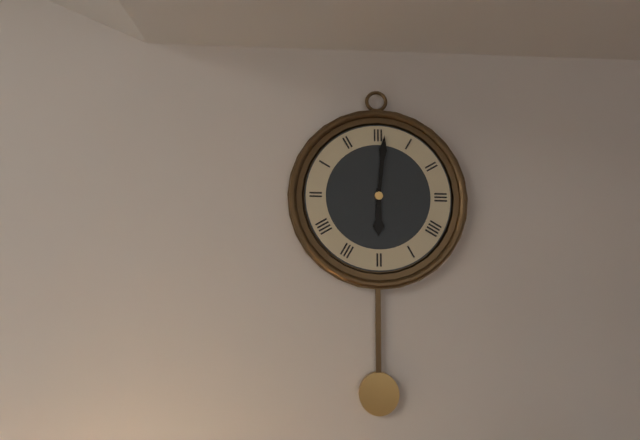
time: 6:01
